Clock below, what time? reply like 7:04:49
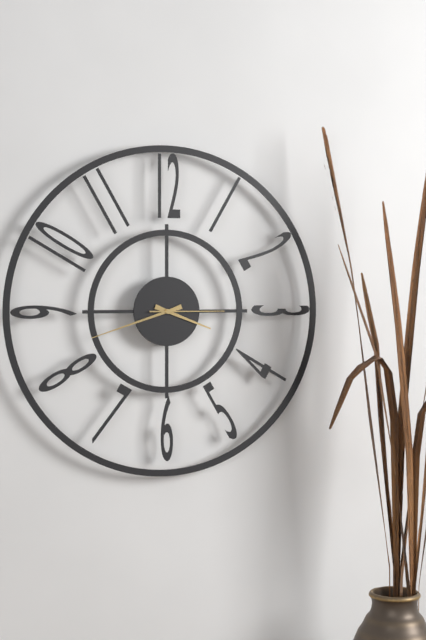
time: 3:42:15
